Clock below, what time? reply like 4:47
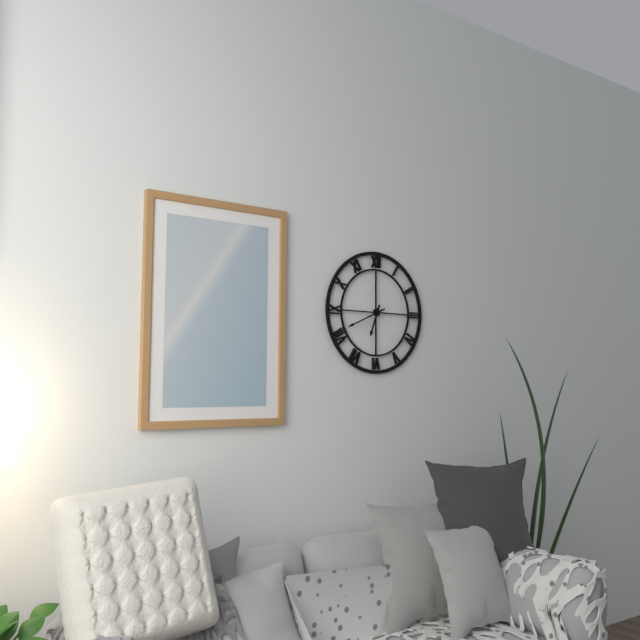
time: 6:41
